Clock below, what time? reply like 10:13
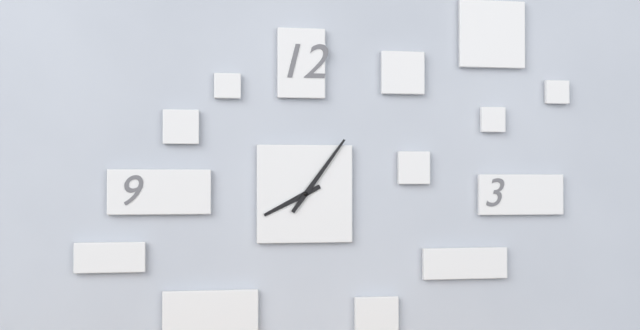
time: 8:06
